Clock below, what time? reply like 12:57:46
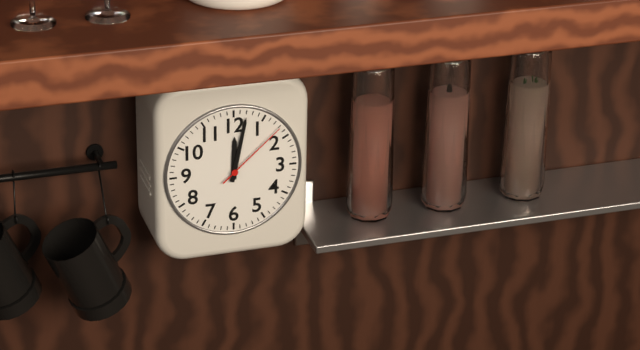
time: 12:02:08
